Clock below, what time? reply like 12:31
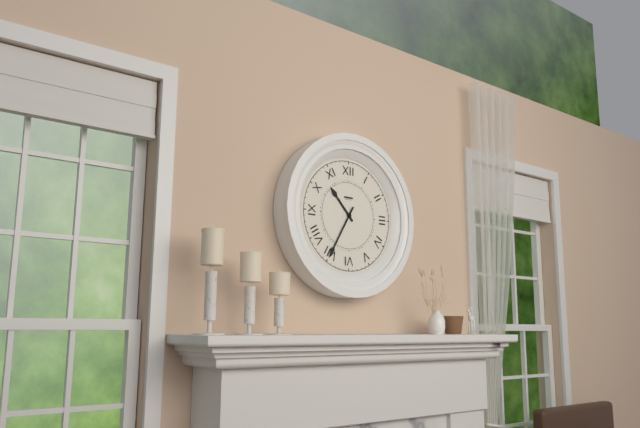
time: 10:35
